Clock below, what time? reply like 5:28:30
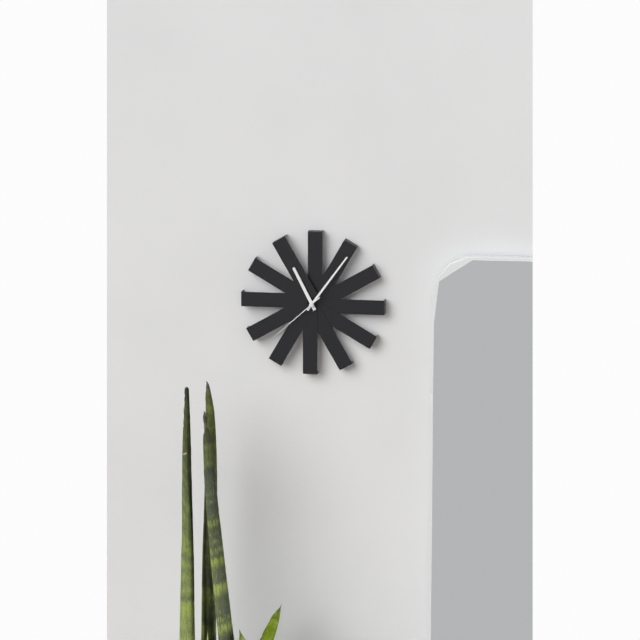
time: 11:06:38
